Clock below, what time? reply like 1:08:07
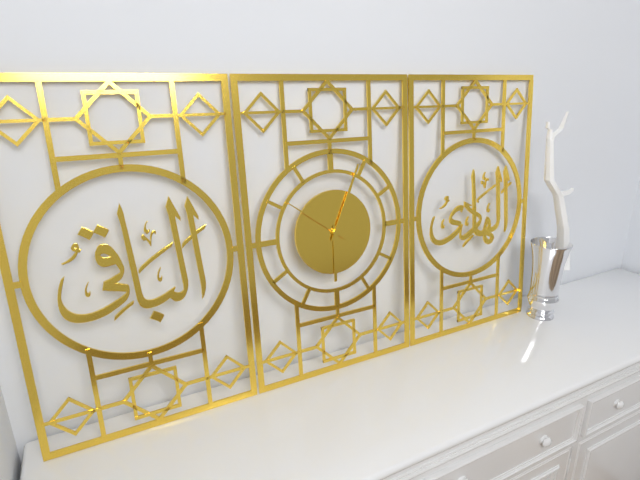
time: 6:04:51
